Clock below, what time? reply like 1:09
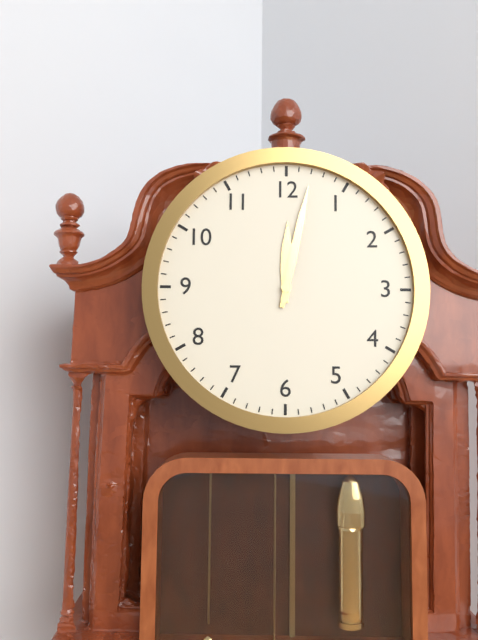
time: 12:02
